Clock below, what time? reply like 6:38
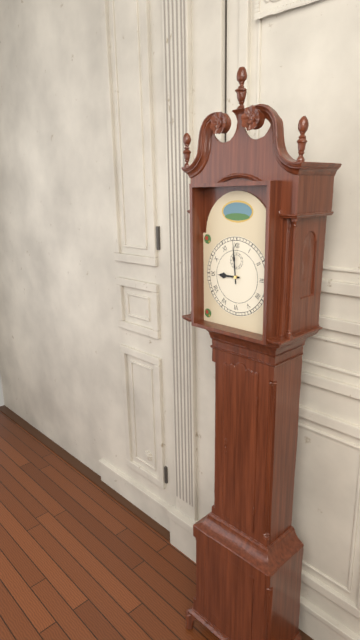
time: 8:59
